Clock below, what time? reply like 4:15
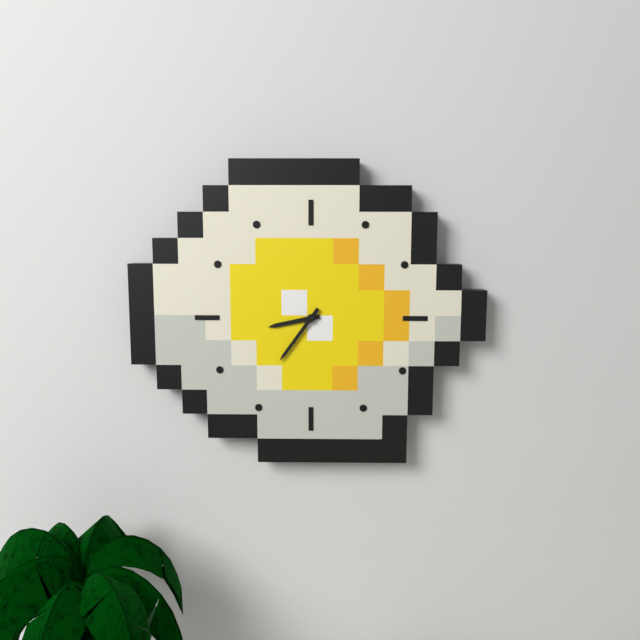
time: 8:36
